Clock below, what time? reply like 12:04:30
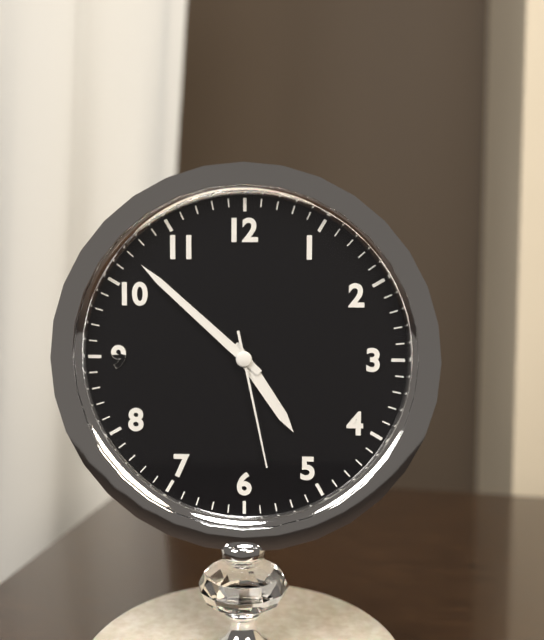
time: 4:52:28
